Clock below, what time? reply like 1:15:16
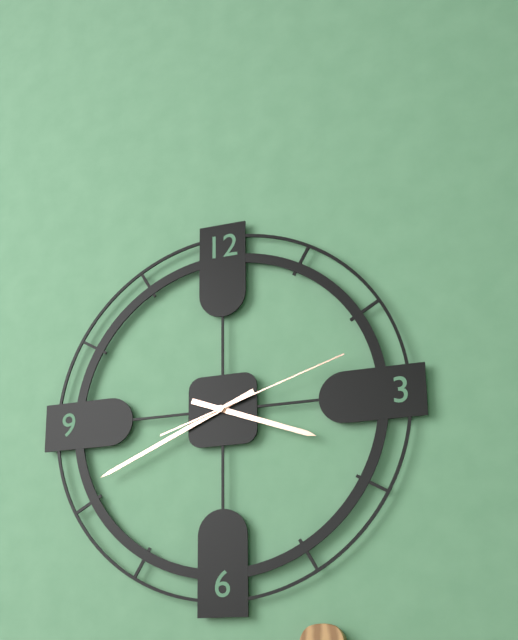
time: 3:41:12
